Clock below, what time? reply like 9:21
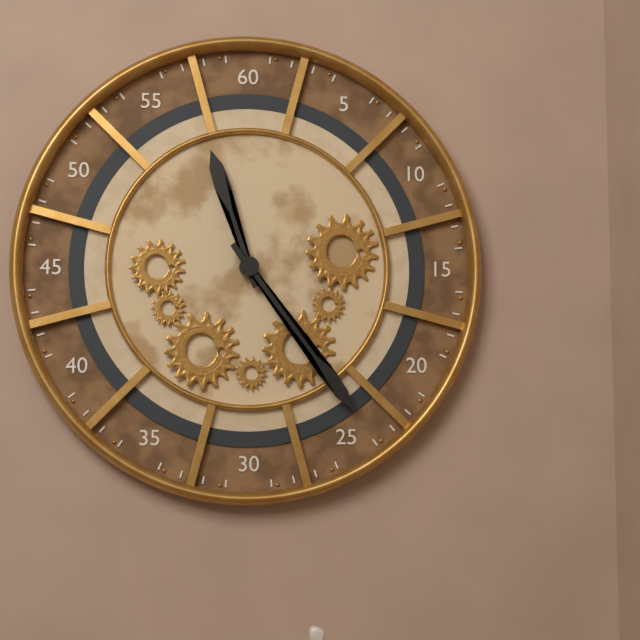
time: 11:24
